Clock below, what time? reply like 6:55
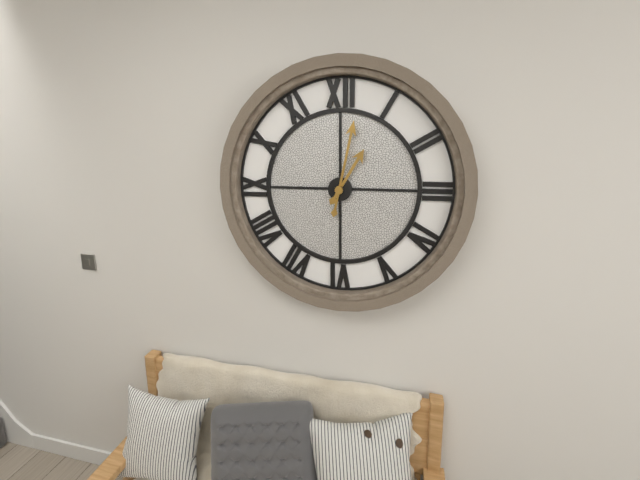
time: 1:02
